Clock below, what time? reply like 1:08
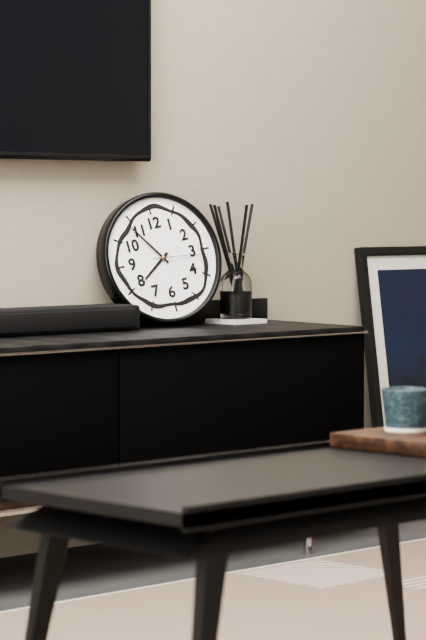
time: 7:54
